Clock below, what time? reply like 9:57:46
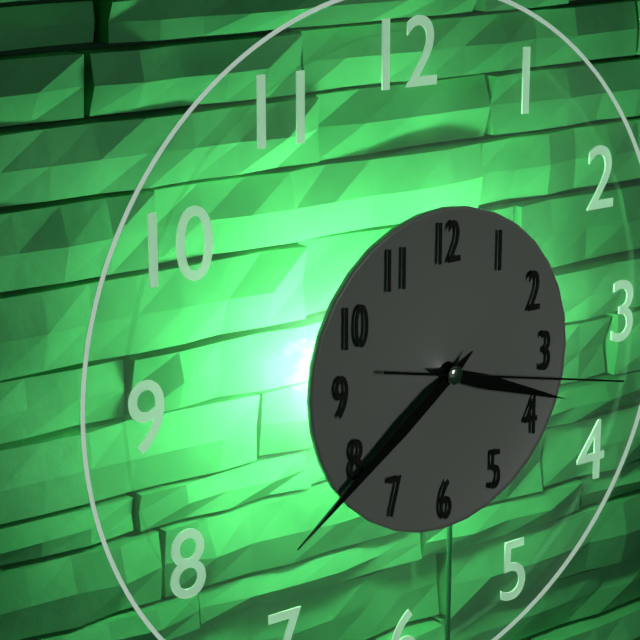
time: 3:39:17
